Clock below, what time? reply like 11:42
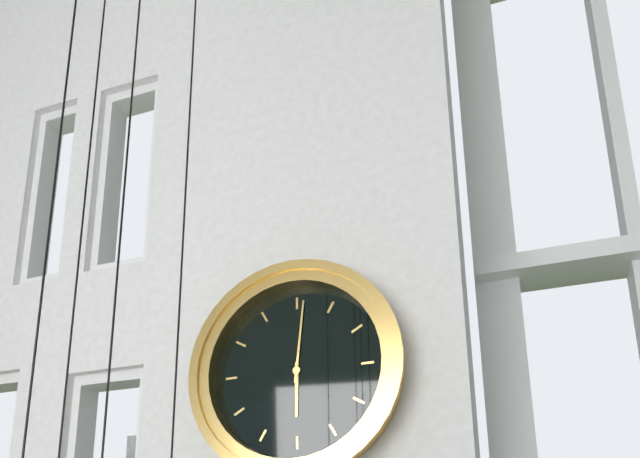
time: 6:01
